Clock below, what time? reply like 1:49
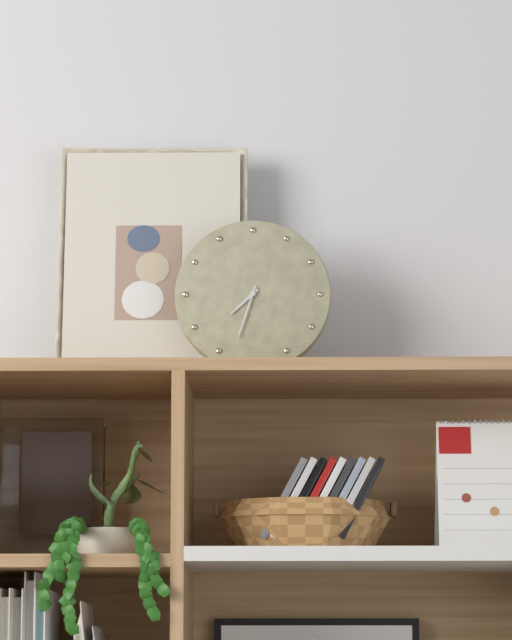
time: 7:33
